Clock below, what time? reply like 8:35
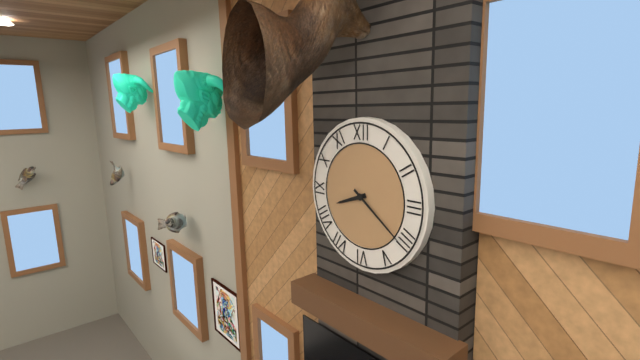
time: 8:21
